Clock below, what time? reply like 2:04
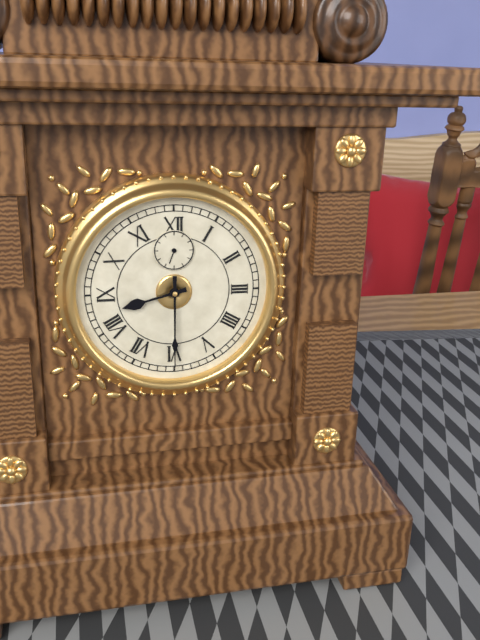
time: 8:30
